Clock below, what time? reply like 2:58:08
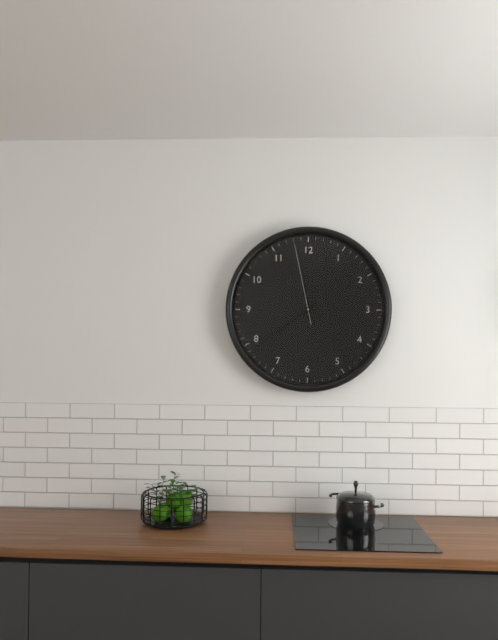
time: 11:39:58
